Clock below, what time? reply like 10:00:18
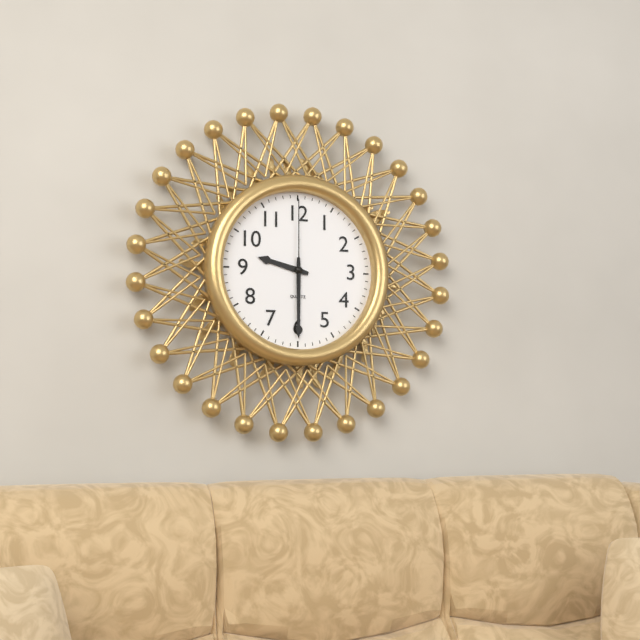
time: 9:30:00
